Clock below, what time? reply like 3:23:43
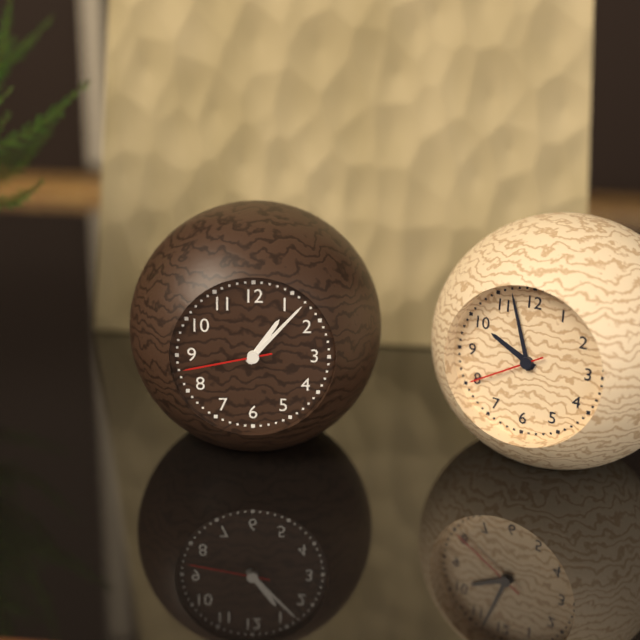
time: 1:07:43
